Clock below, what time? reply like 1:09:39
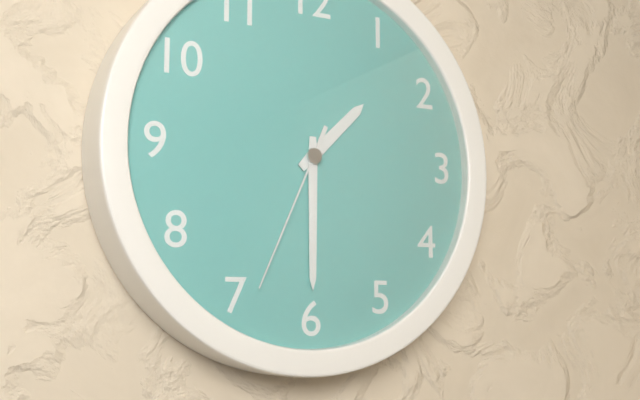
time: 1:30:34
